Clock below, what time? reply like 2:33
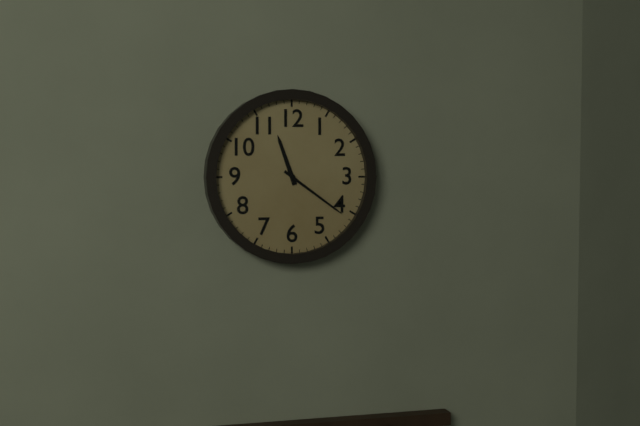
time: 11:21
